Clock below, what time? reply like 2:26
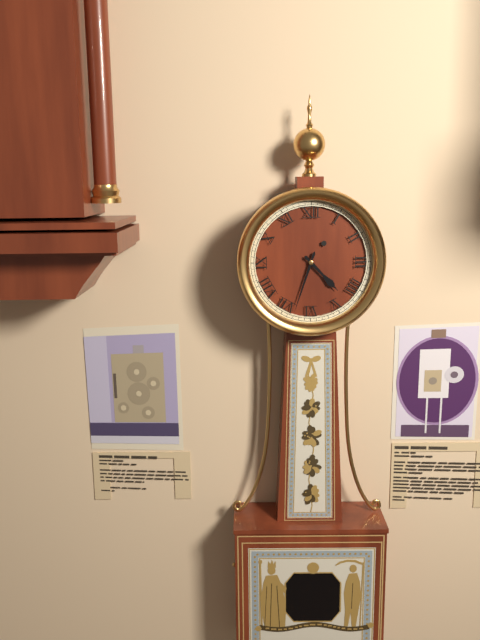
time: 4:33
